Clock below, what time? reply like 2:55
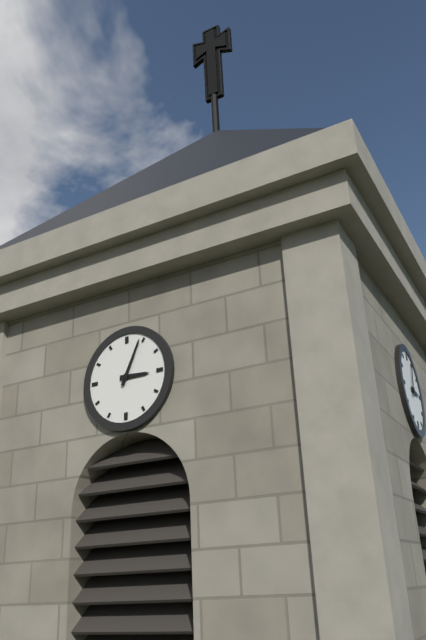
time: 3:04
